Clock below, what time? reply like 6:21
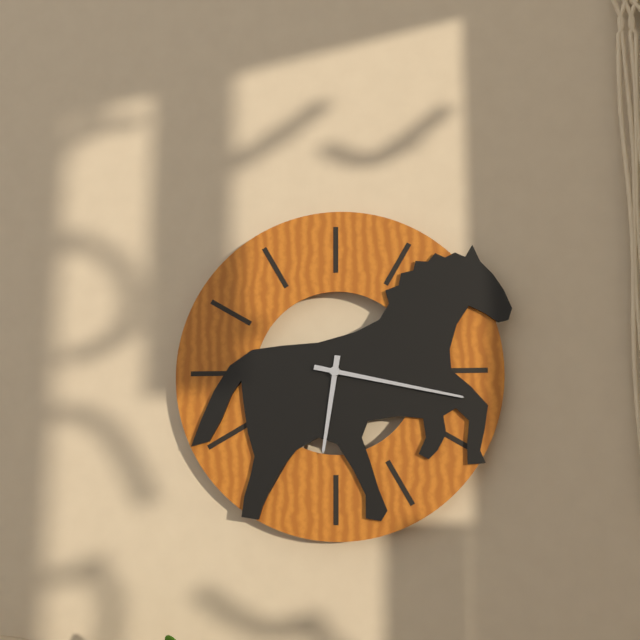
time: 6:17
